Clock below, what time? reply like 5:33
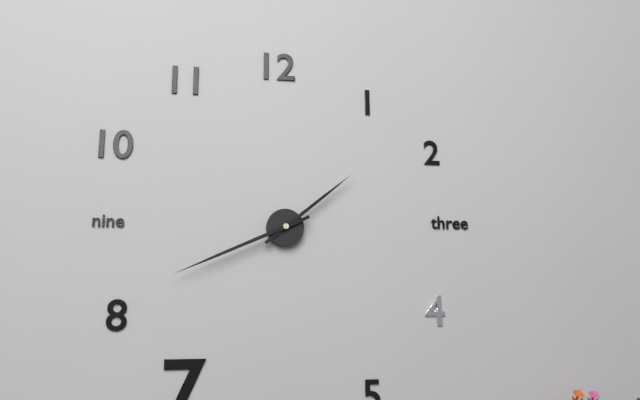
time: 1:41
